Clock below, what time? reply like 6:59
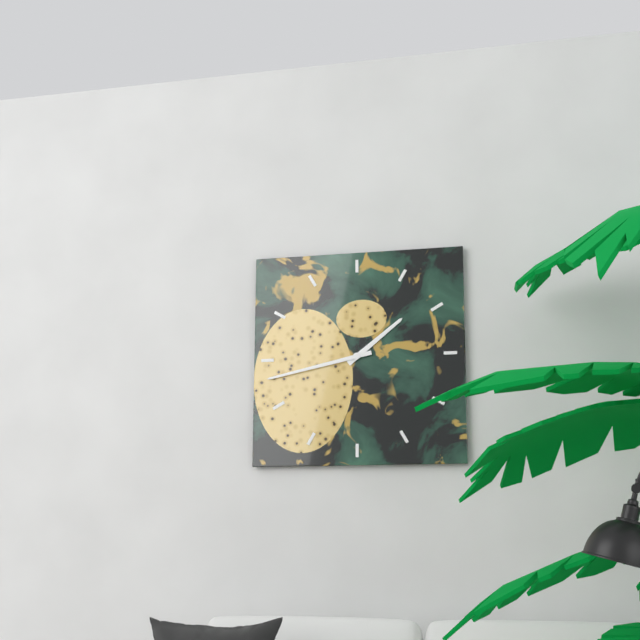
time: 1:43
